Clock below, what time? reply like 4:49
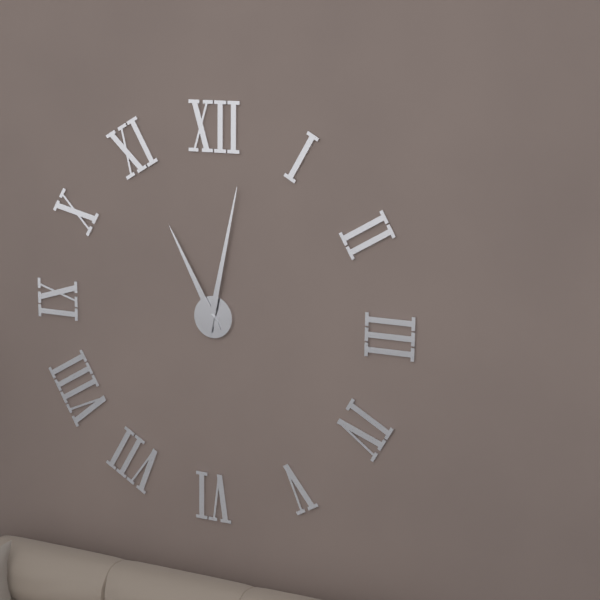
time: 11:02
